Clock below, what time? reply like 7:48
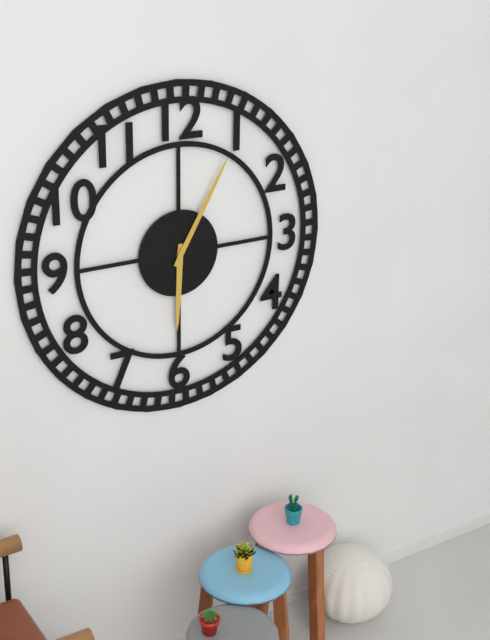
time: 6:05
